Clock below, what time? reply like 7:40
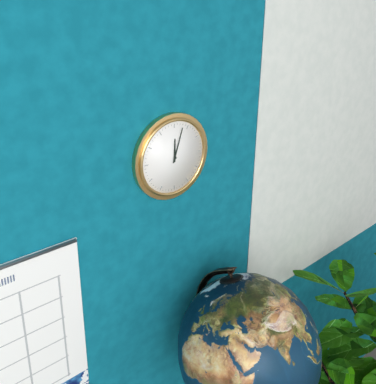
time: 12:03
